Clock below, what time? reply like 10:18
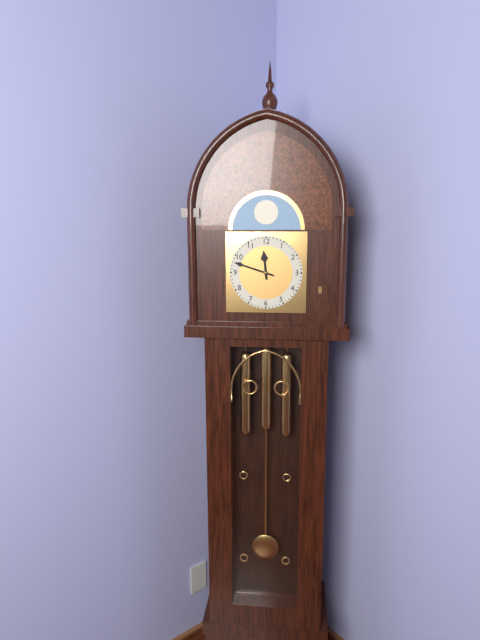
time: 11:48
